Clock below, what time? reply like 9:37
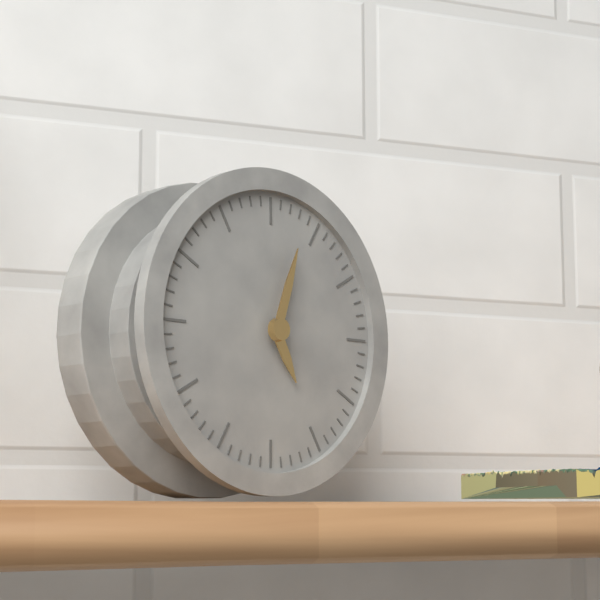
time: 5:03
